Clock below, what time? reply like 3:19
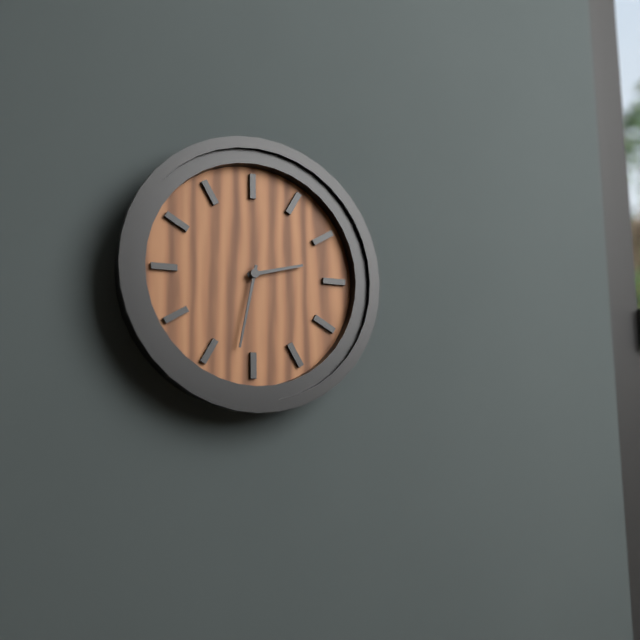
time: 2:32
